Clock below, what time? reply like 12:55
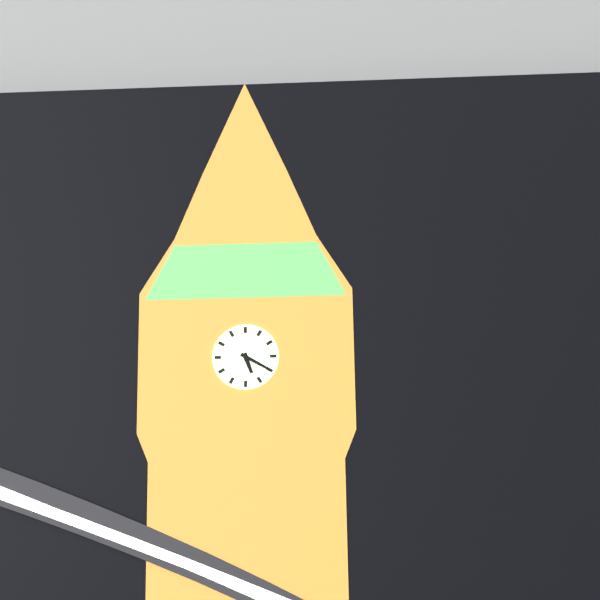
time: 5:20
